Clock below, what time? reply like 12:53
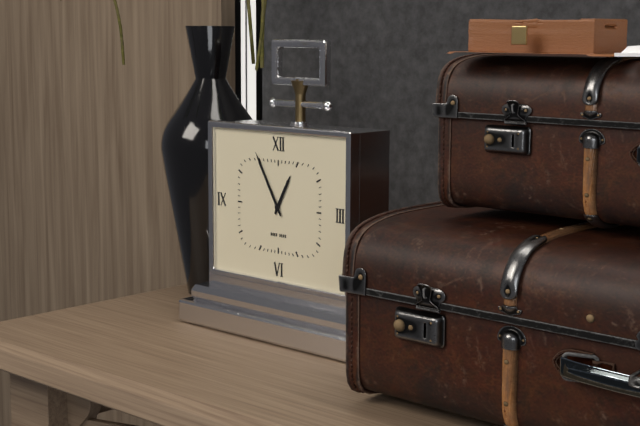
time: 12:55
